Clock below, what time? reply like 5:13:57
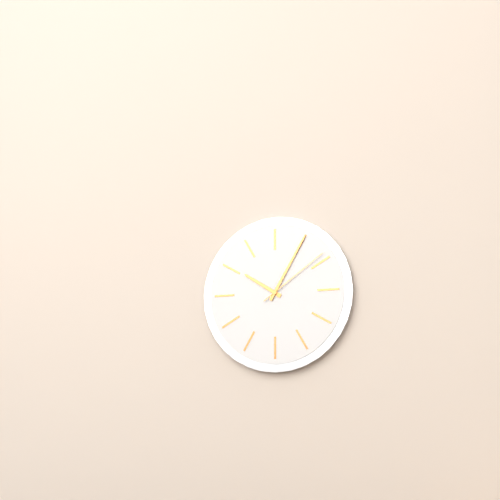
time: 10:05:09
